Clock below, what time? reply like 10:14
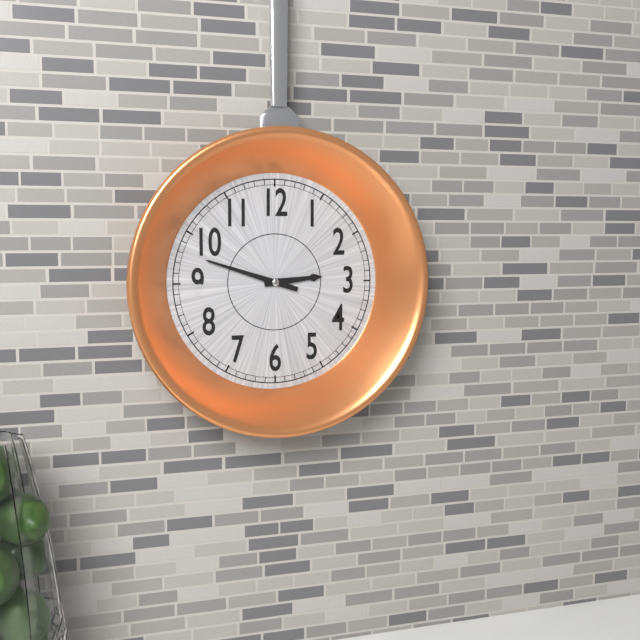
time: 2:48
